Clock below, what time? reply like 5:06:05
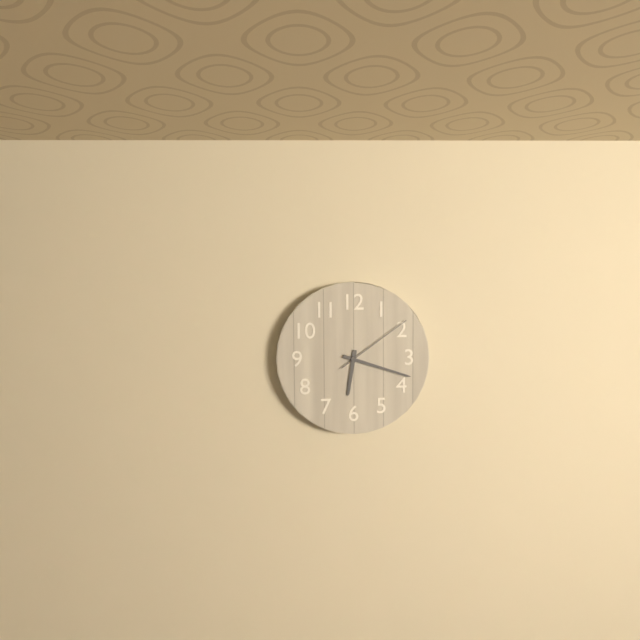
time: 6:18:09
